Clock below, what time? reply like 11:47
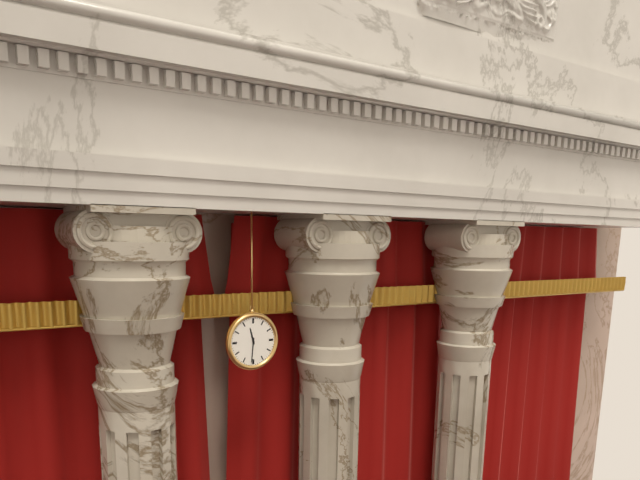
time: 11:31
